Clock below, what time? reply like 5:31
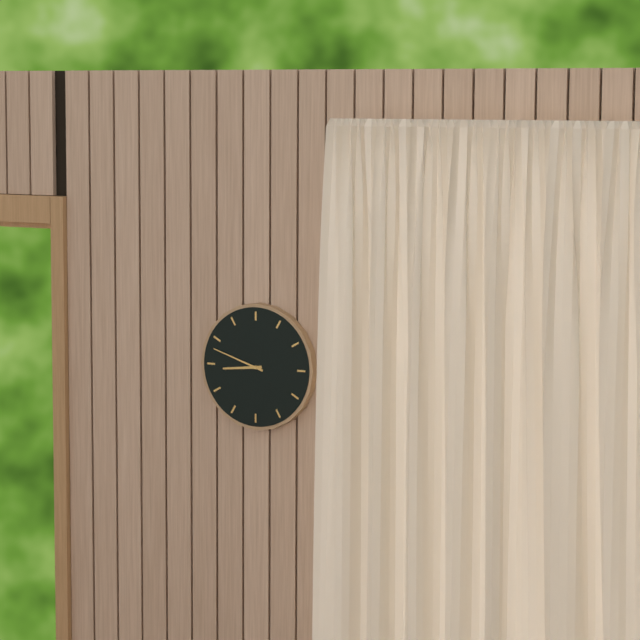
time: 8:48
